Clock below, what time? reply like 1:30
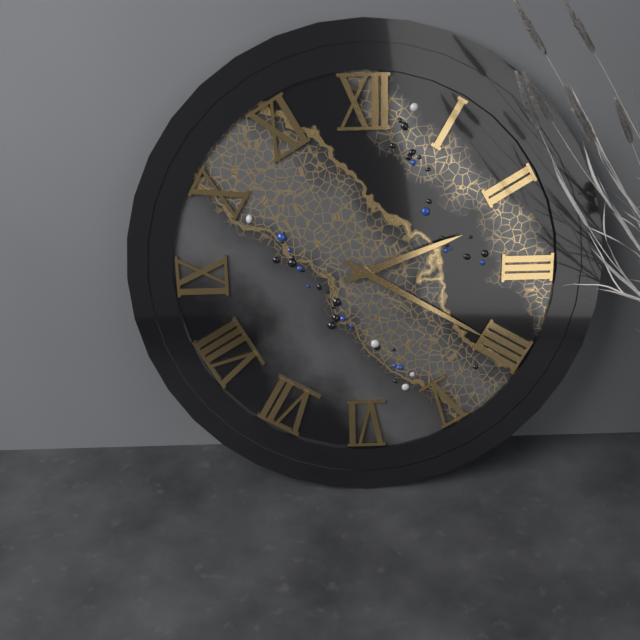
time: 2:20
